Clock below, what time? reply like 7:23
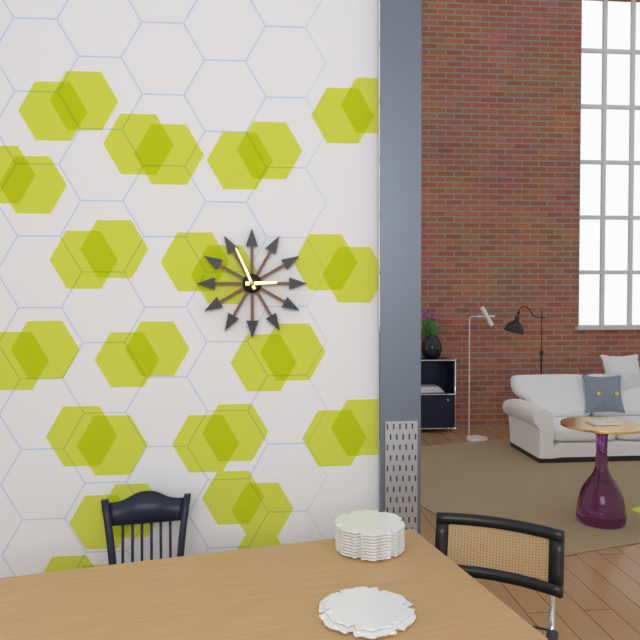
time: 2:56
